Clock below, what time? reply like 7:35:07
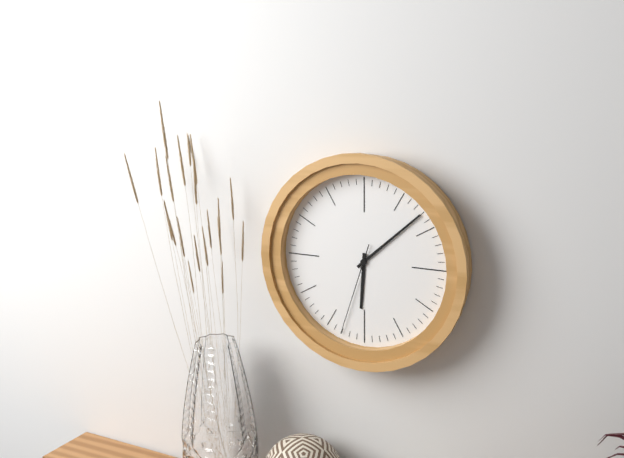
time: 6:08:33
